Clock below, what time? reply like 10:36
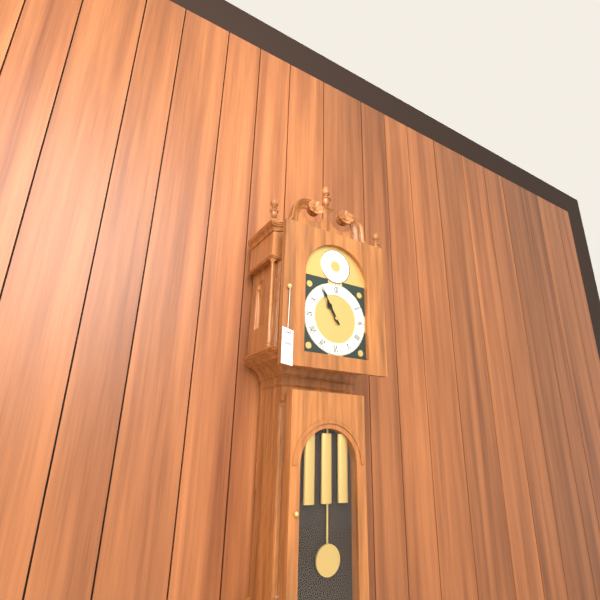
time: 10:55
